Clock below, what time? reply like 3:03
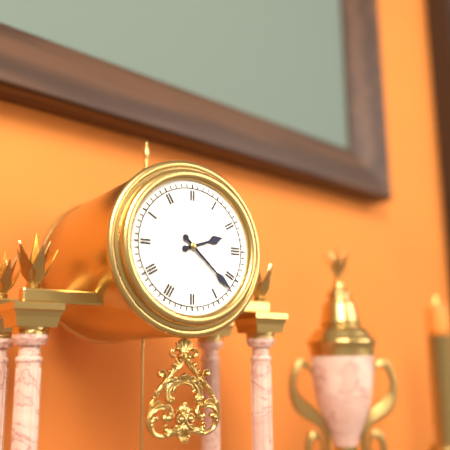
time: 2:22
